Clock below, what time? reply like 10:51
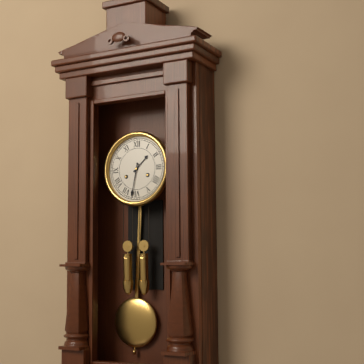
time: 1:32
